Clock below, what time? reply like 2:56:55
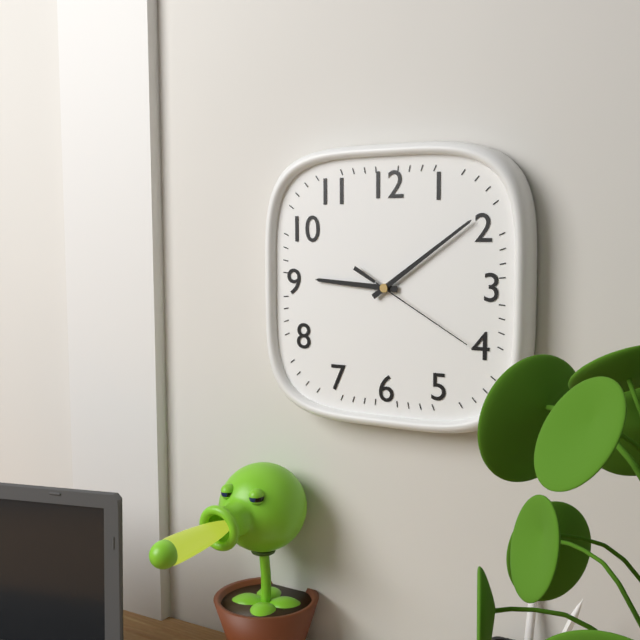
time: 9:09:20
